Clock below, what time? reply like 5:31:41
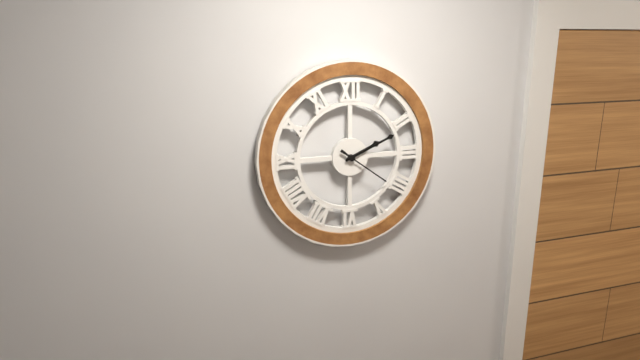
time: 2:11:21
